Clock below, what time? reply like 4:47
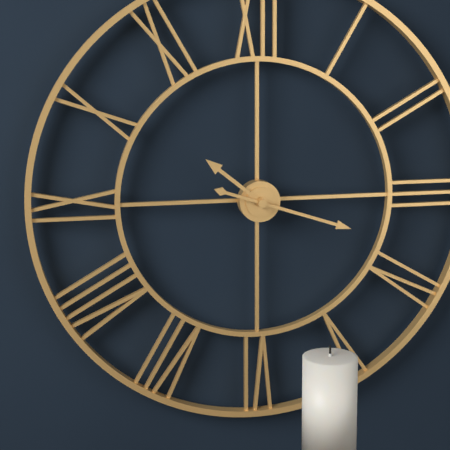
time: 10:18
